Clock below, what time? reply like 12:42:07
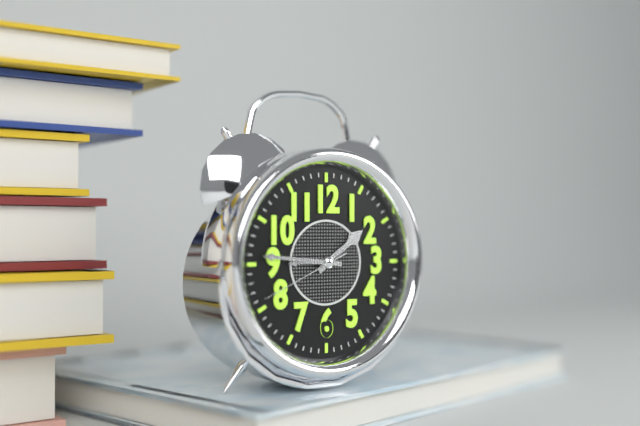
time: 1:46:41
